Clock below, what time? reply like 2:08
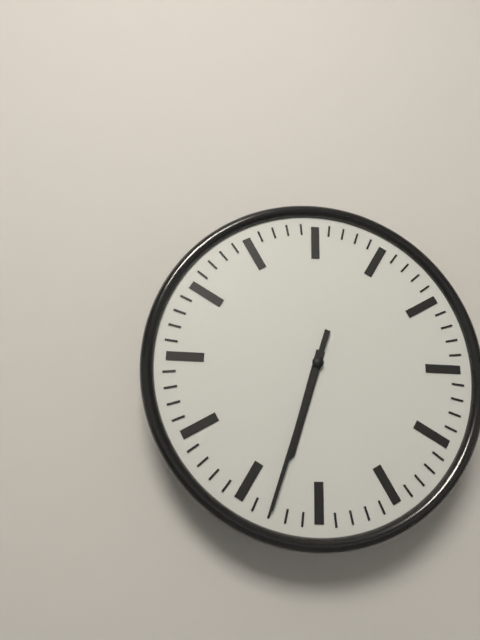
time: 6:33
